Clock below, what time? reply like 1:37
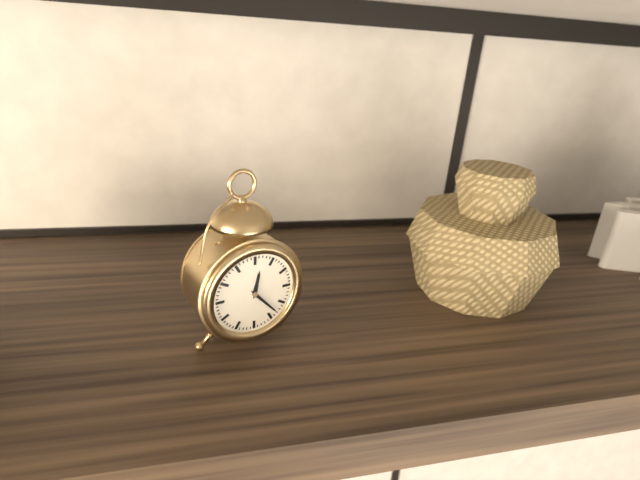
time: 12:23
